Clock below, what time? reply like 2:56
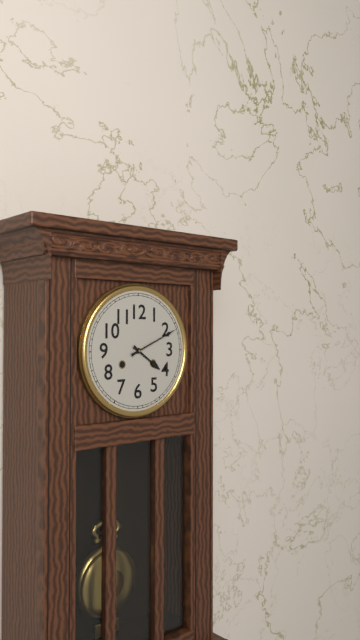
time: 4:11
